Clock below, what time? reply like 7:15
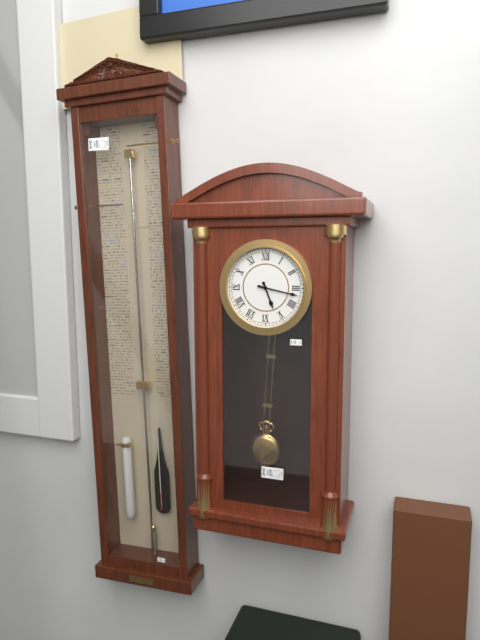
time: 5:17
